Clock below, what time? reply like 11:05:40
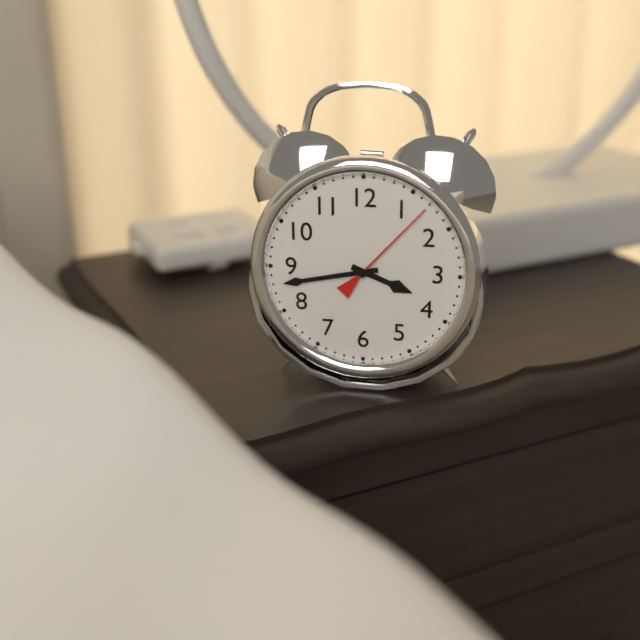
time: 3:43:07
